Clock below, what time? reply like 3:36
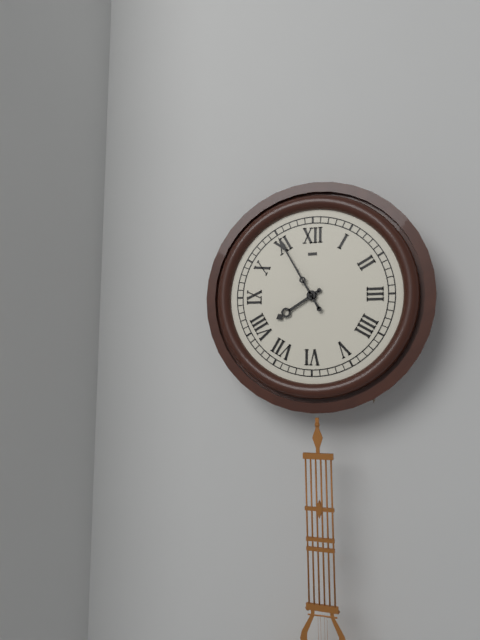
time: 7:55
